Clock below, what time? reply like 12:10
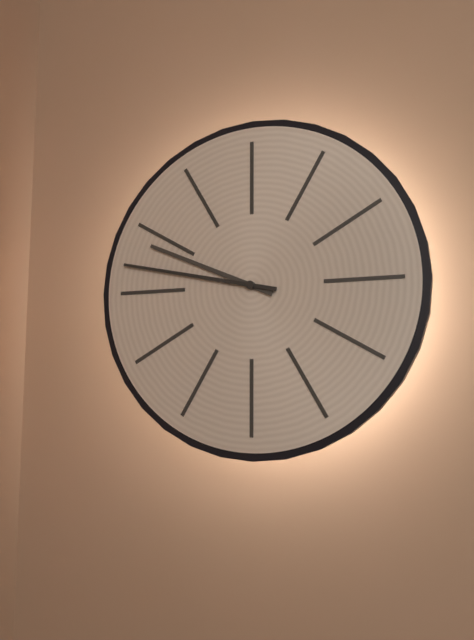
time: 9:47
